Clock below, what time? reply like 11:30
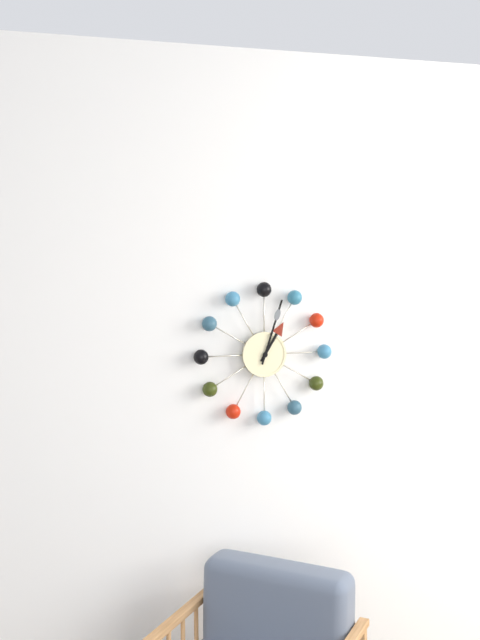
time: 1:03
